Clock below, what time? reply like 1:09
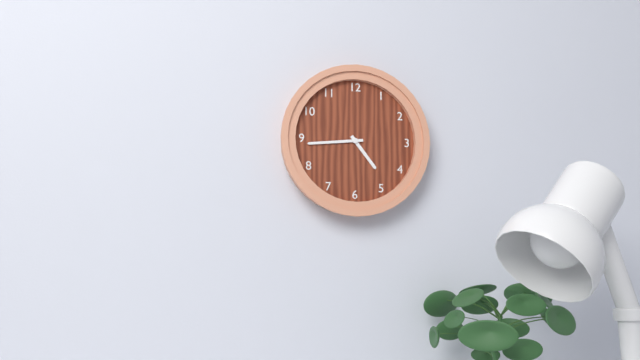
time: 4:44
